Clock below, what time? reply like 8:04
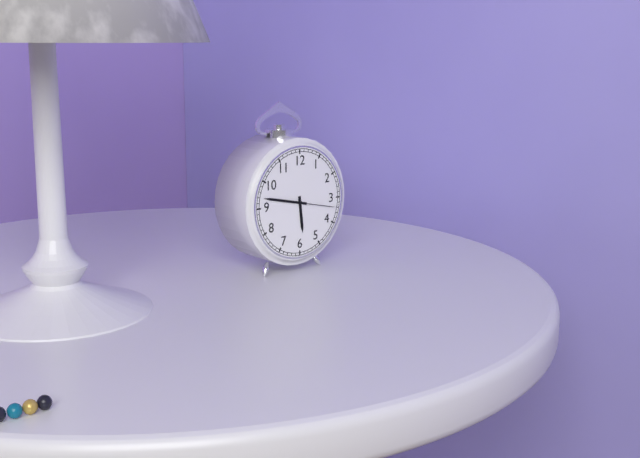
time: 5:47
